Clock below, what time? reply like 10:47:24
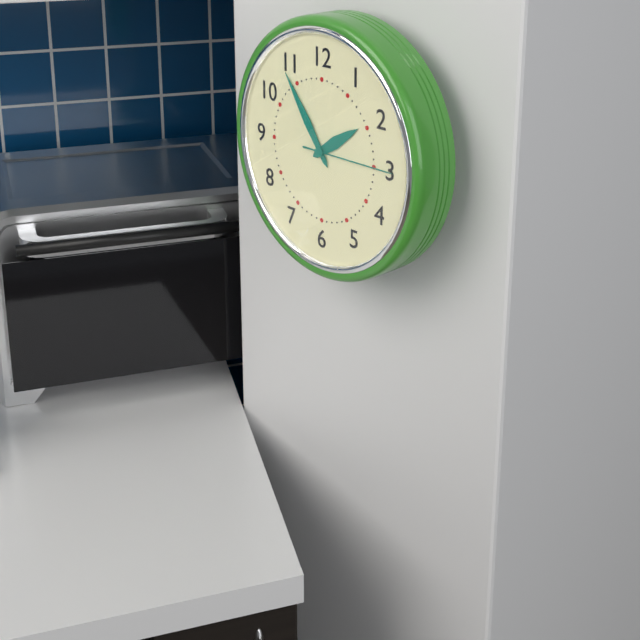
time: 1:54:15
